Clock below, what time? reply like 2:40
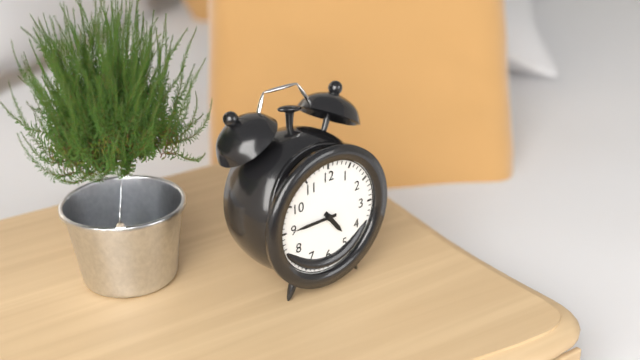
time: 4:45
